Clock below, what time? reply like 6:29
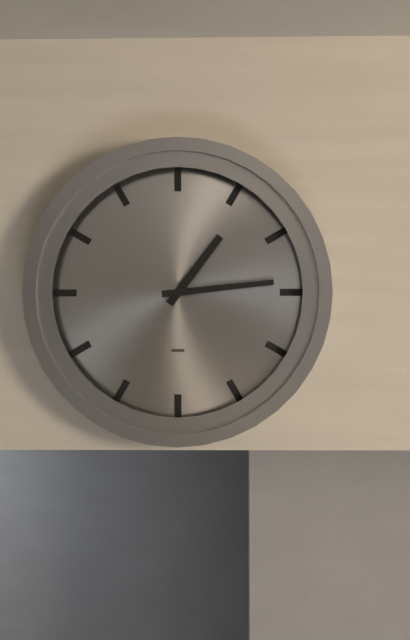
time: 1:14
